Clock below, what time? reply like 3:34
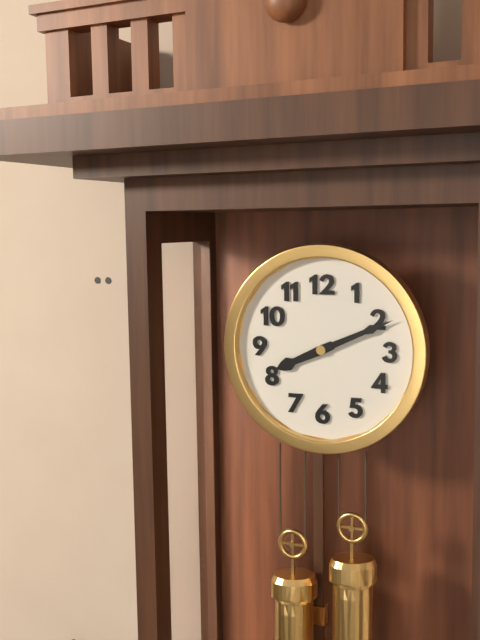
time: 8:11
